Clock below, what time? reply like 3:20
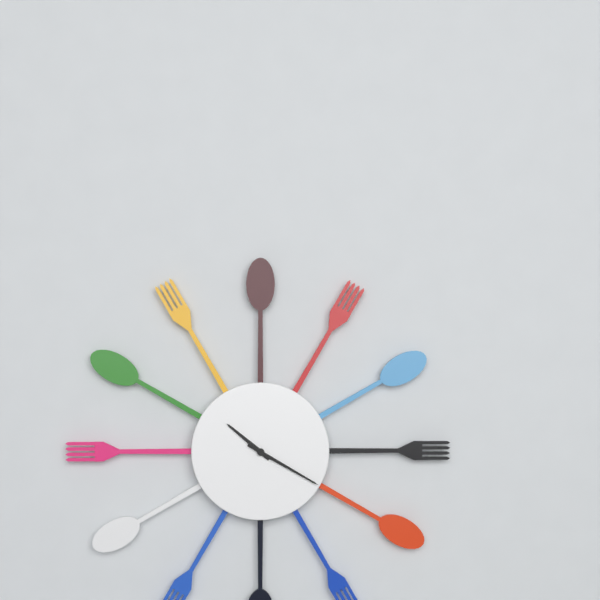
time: 10:20
